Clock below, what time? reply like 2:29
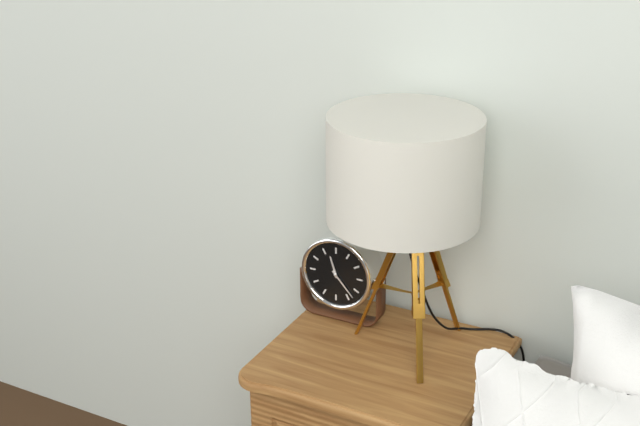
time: 11:23
